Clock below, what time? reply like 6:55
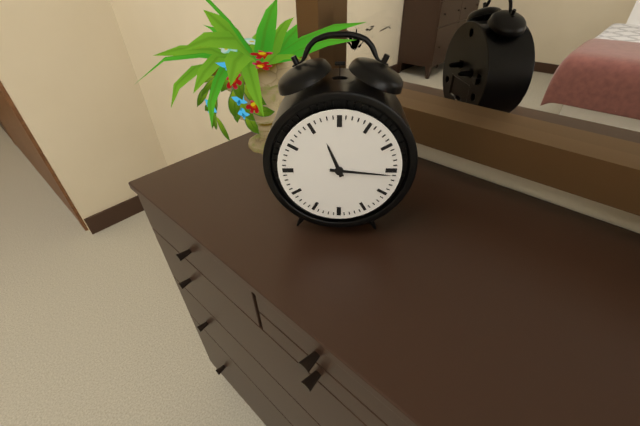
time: 11:16
